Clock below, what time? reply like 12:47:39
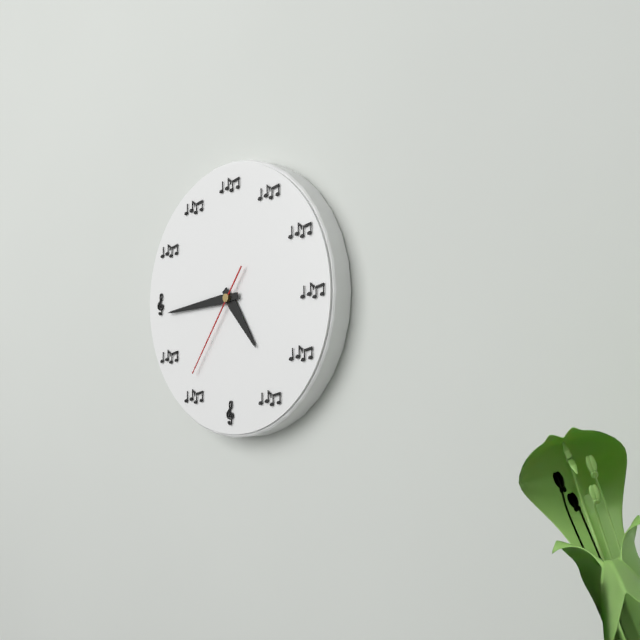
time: 4:44:36
